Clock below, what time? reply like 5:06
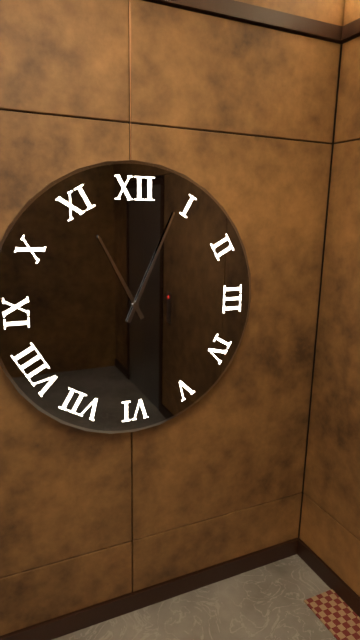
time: 11:04
